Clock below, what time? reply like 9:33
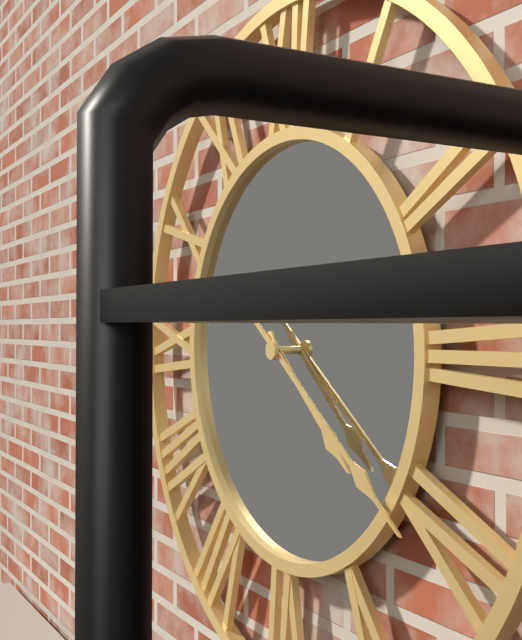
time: 4:21
